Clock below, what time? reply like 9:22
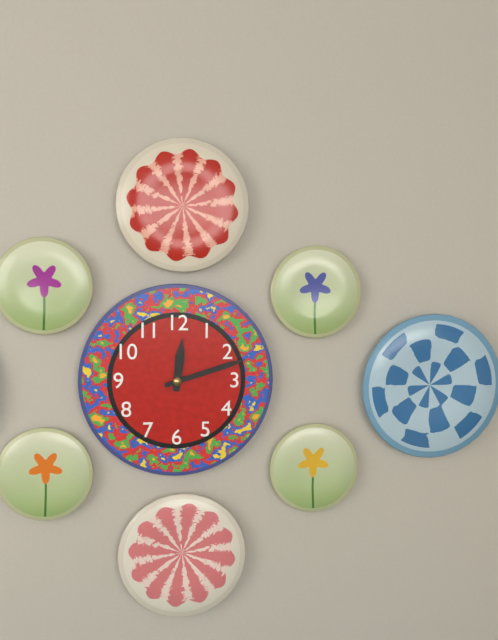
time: 12:12
